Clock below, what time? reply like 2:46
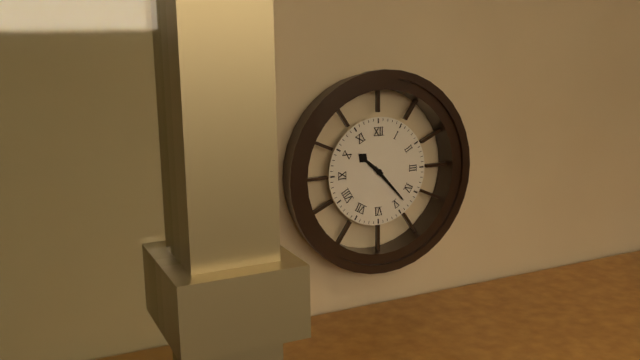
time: 10:23
